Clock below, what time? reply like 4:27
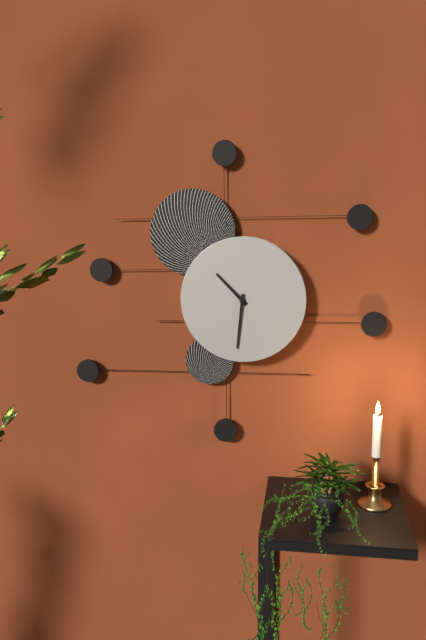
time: 10:31
